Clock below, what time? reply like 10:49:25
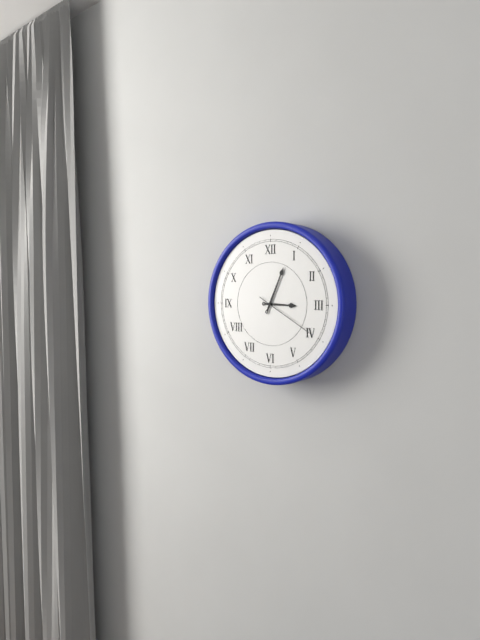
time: 3:04:20
